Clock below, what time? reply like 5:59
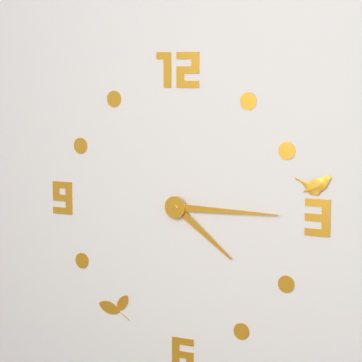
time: 4:15
